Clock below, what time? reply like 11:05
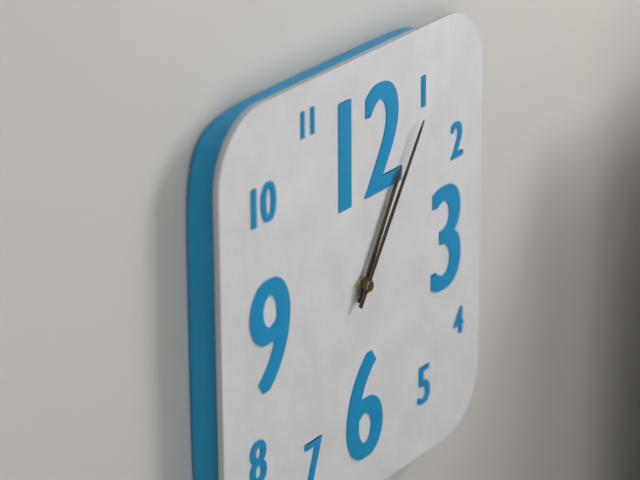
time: 1:06
